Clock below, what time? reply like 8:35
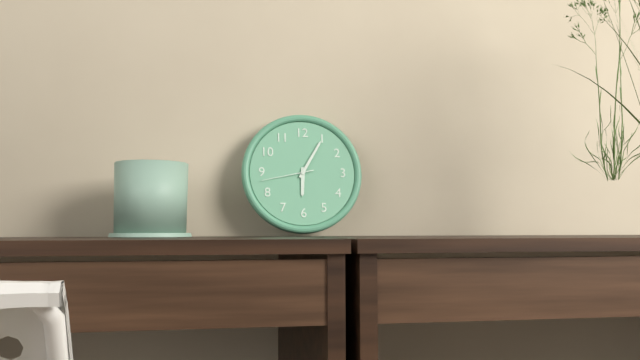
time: 6:05
